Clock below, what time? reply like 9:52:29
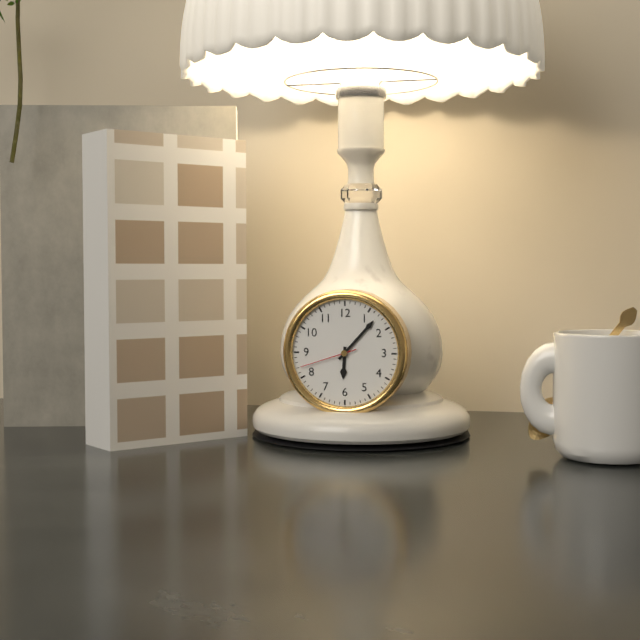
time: 6:07:42
